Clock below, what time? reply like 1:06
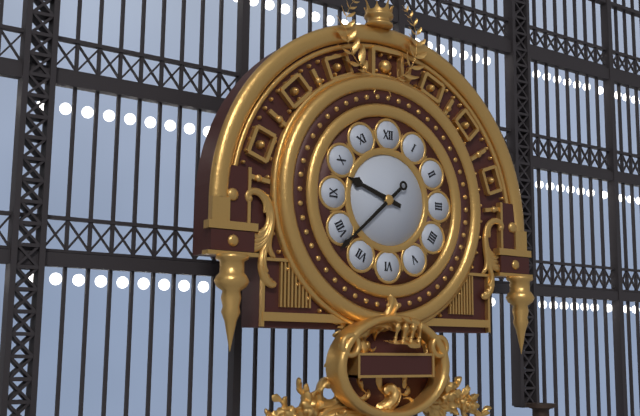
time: 9:38
